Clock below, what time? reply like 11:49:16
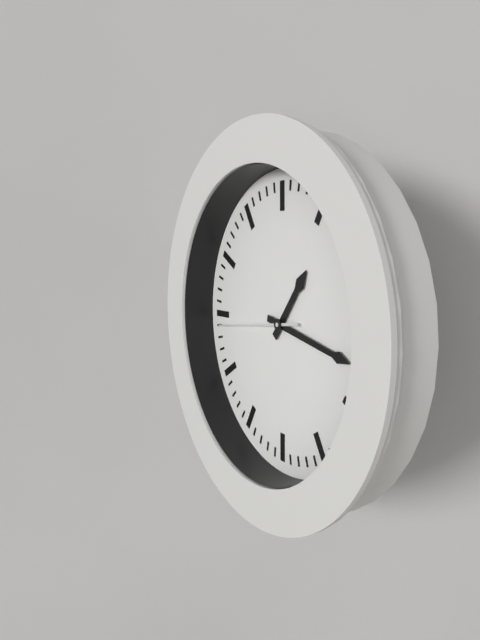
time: 1:17:44
